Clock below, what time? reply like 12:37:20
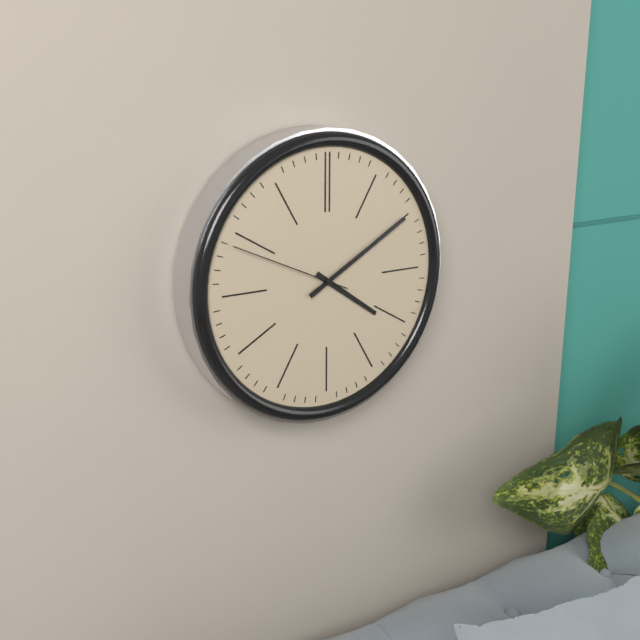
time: 4:10:49
